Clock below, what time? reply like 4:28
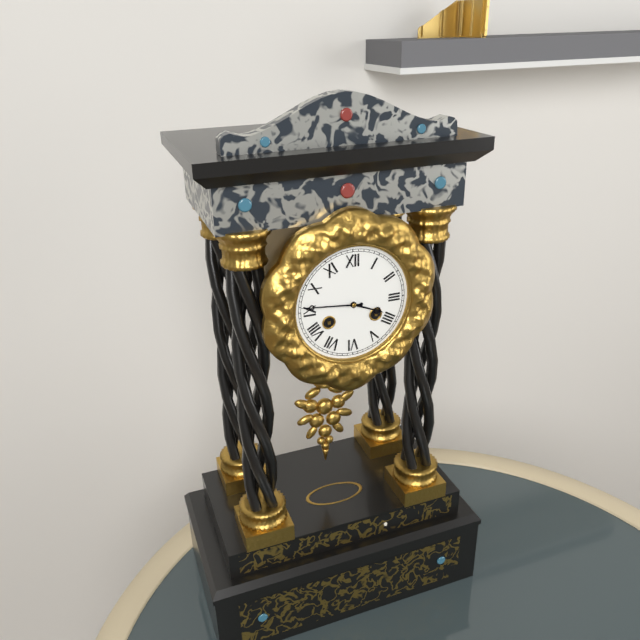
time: 3:46
